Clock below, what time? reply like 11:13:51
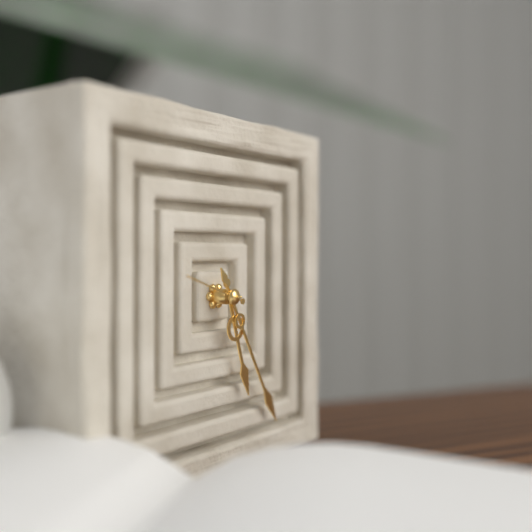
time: 5:25:48
